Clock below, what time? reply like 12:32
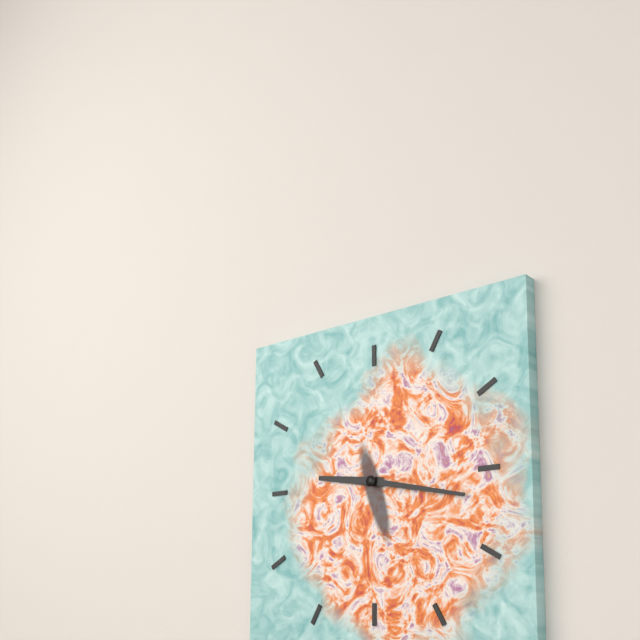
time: 9:17
